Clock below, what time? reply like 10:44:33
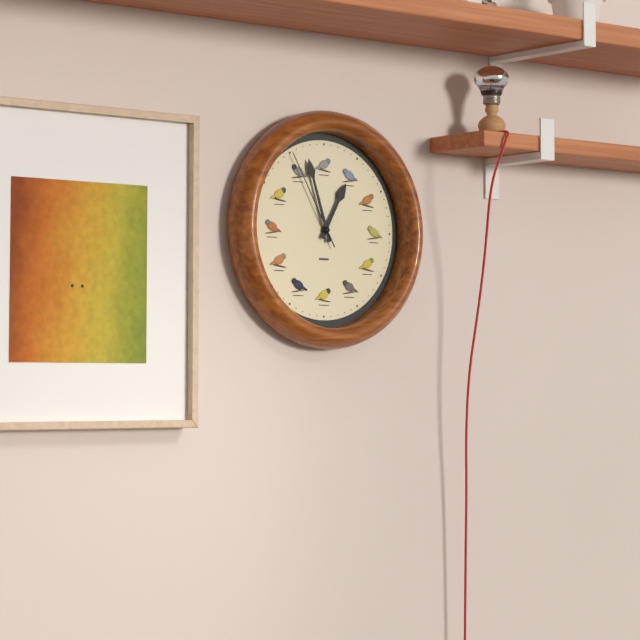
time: 12:57:55
